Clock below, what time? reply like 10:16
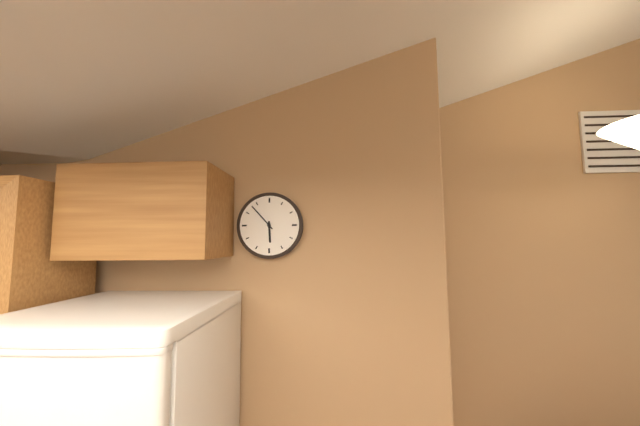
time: 5:53
